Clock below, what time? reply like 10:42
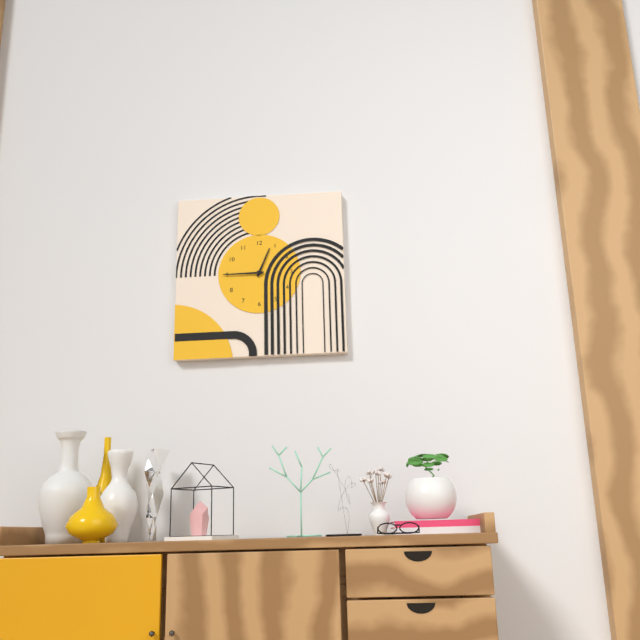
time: 12:45
